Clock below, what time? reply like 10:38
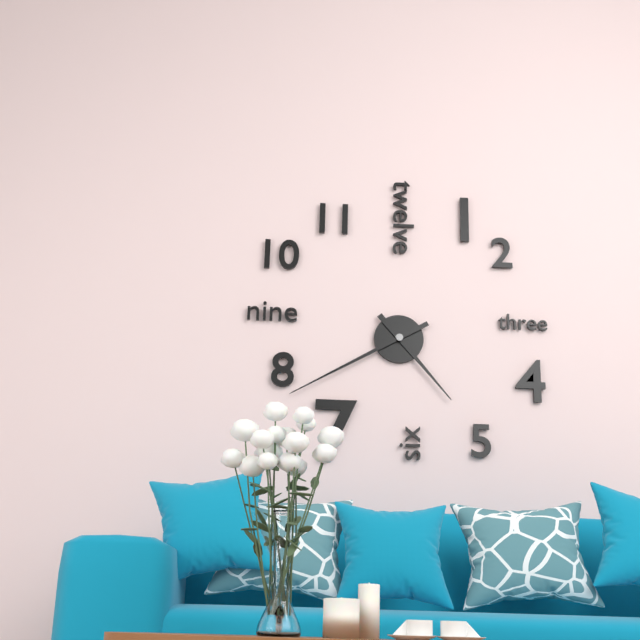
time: 4:40
